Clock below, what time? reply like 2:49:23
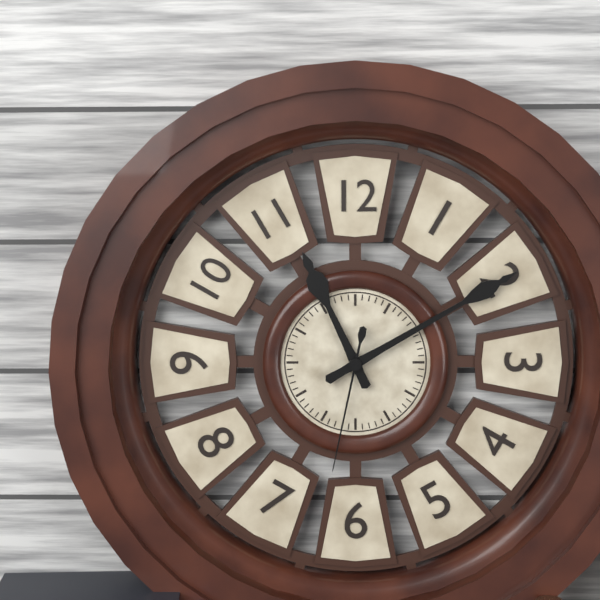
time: 11:10:32
